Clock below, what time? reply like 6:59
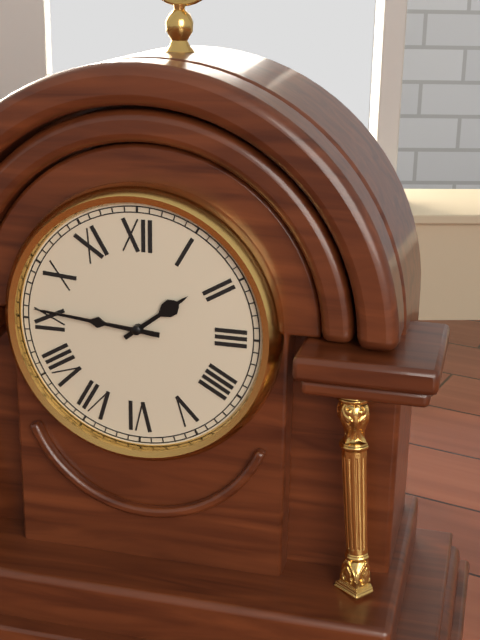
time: 1:46
